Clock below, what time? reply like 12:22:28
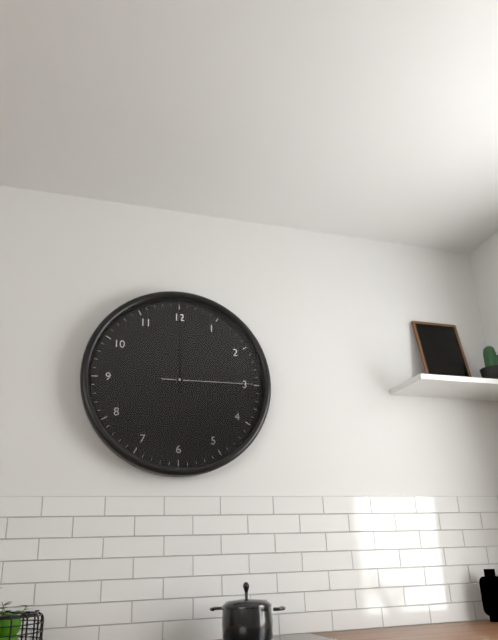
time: 12:00:15
